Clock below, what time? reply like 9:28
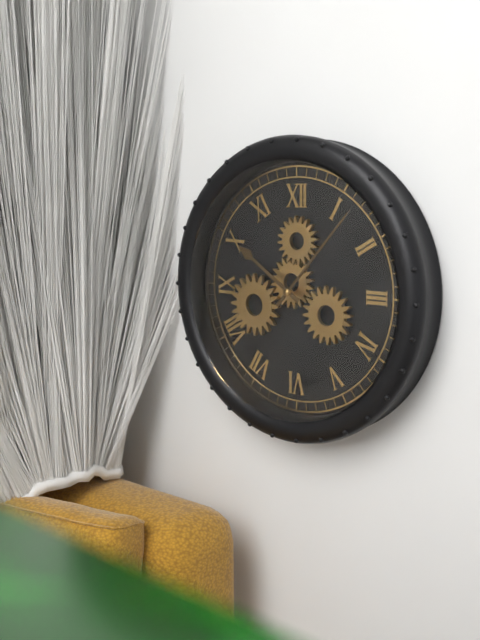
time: 10:07
